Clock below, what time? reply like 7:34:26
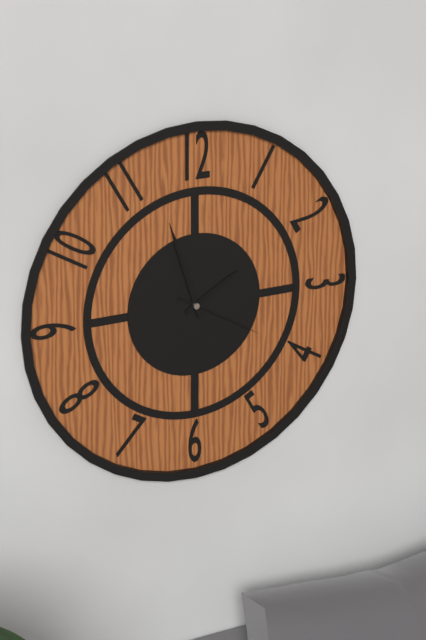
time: 1:57:20
